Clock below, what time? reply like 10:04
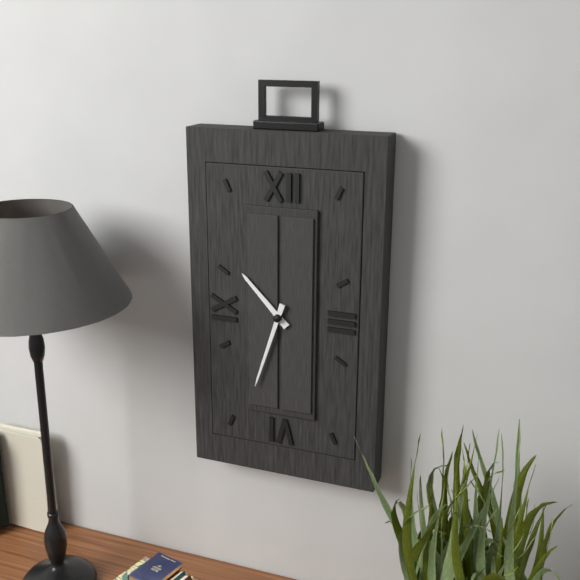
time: 10:33
